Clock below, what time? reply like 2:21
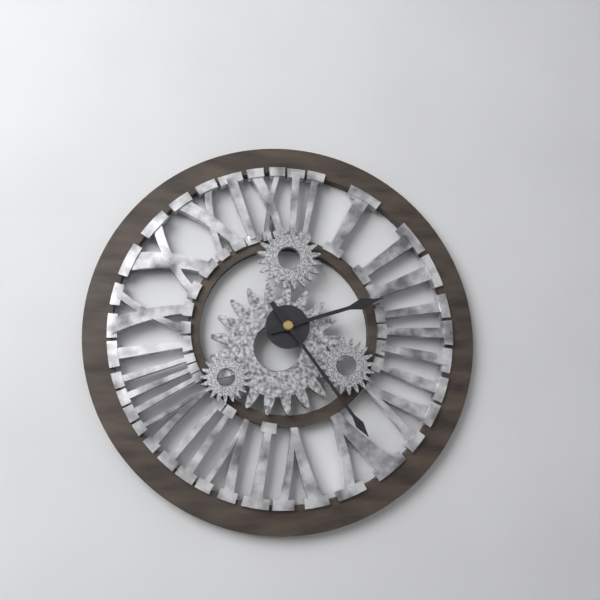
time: 2:24
